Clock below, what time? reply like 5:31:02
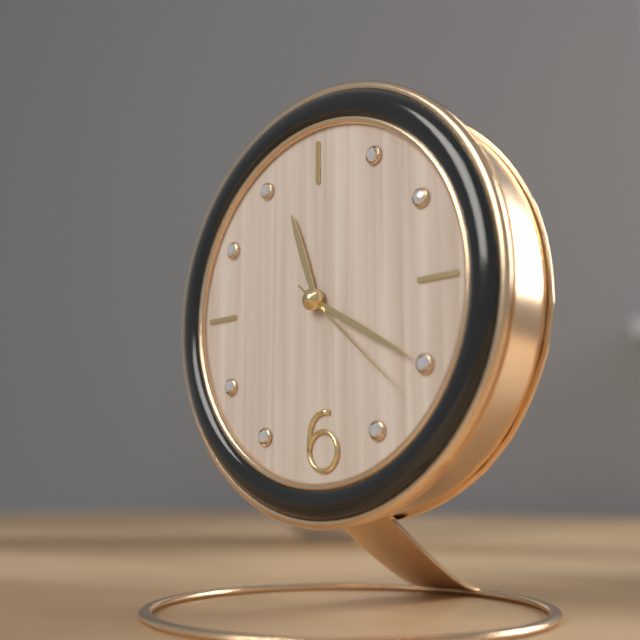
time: 11:20:22
